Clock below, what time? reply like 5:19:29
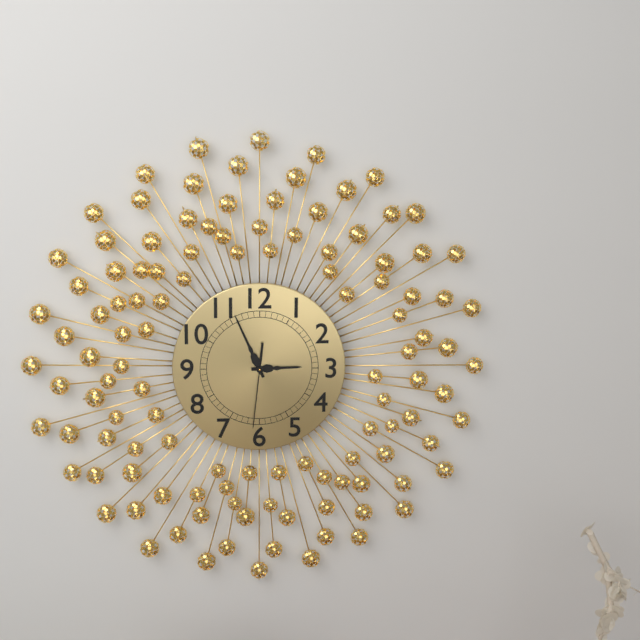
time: 2:56:31
